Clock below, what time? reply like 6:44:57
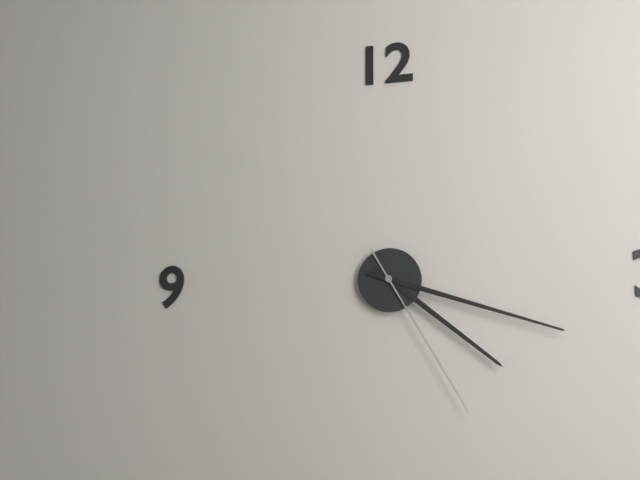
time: 4:18:25
